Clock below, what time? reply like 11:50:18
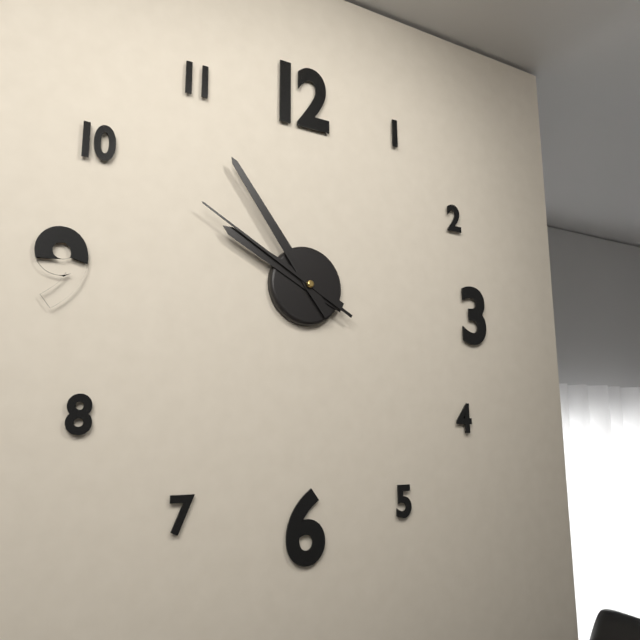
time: 9:54:50
